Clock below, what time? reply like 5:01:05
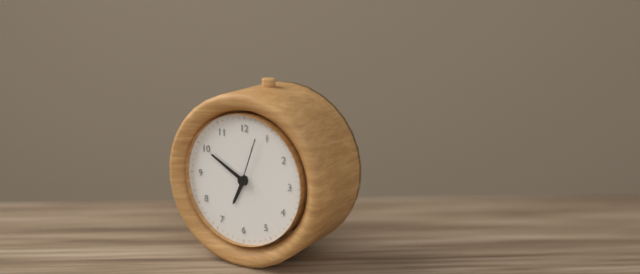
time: 6:50:03
